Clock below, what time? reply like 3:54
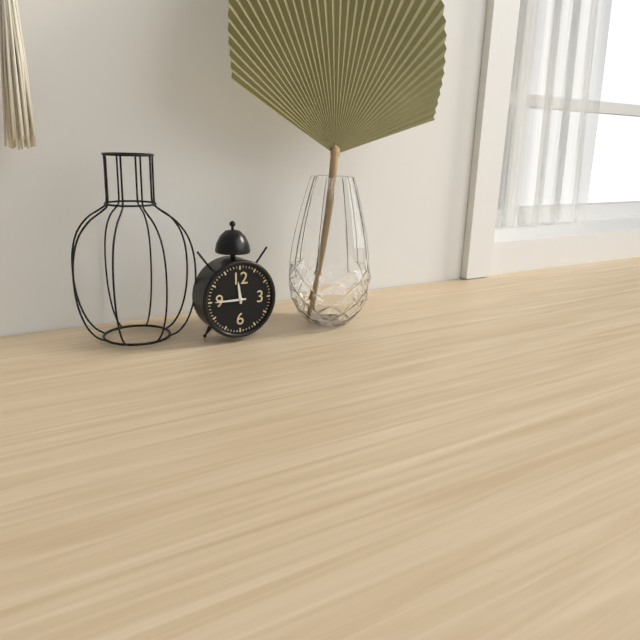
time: 11:45
